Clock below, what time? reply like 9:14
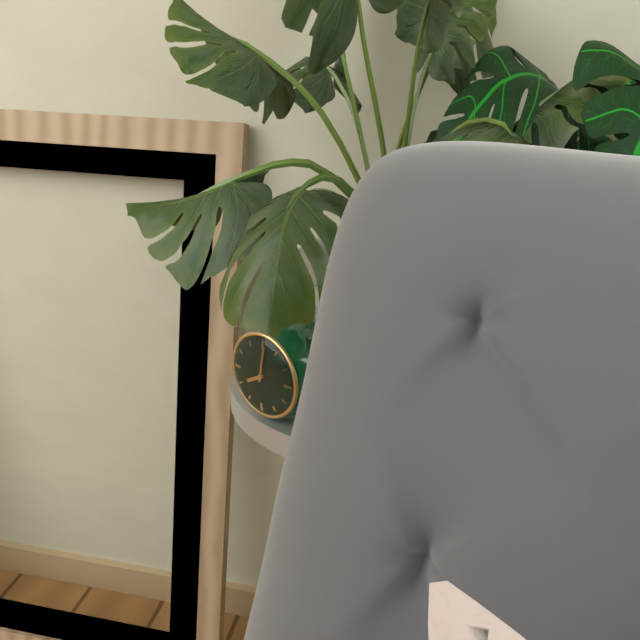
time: 8:01
